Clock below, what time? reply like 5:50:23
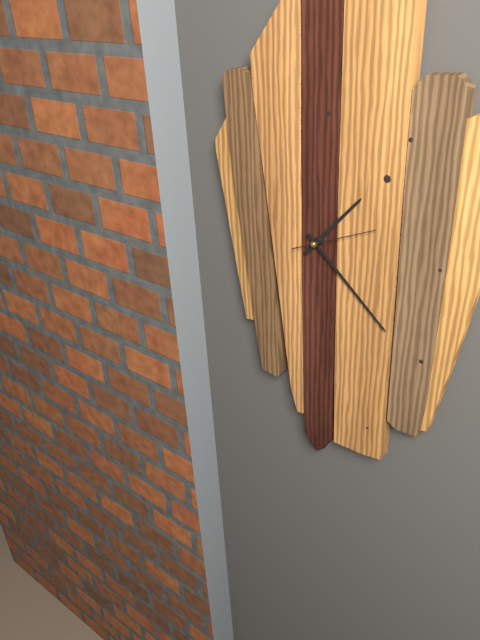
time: 1:22:11
